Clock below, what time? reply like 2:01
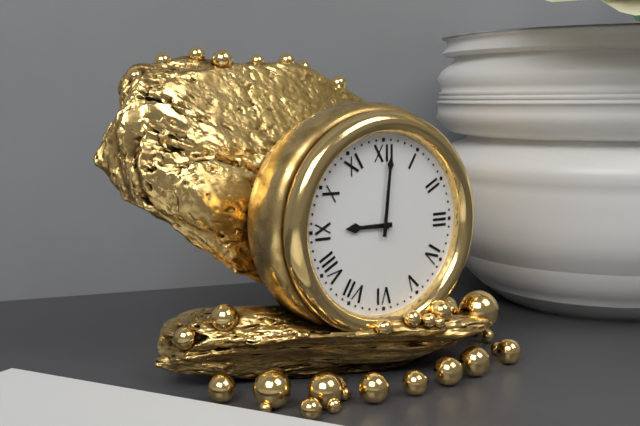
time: 9:01
